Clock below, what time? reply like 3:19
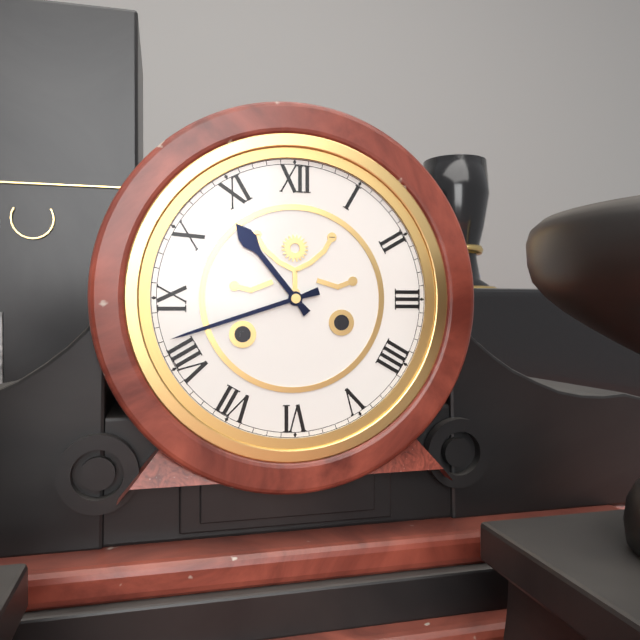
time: 10:42
